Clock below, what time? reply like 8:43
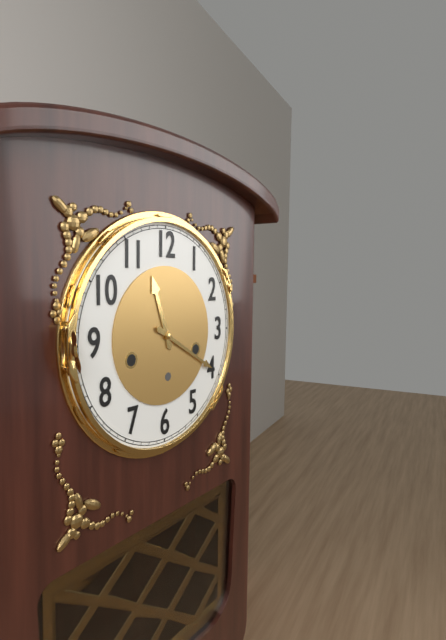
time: 11:20
